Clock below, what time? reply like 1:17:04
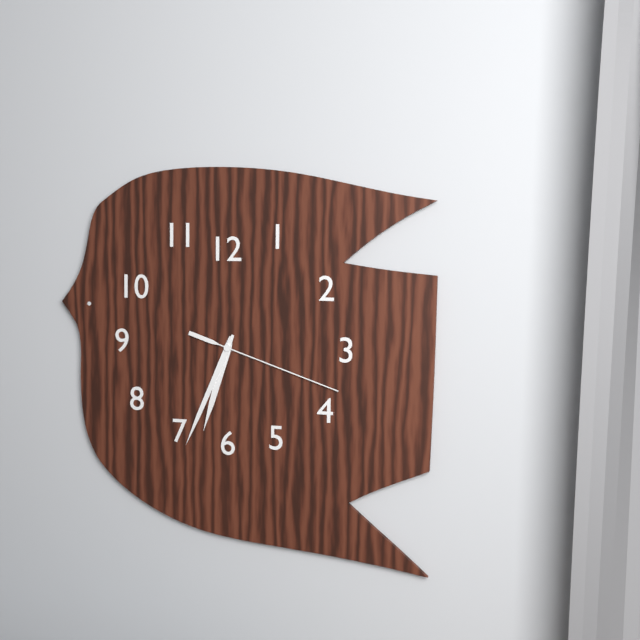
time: 6:34:18
